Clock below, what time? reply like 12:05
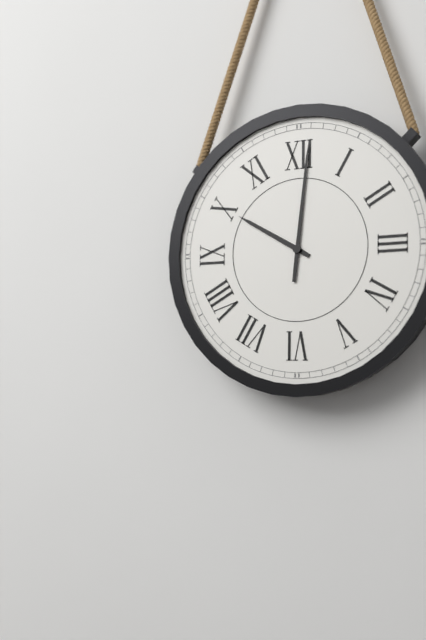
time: 10:01
